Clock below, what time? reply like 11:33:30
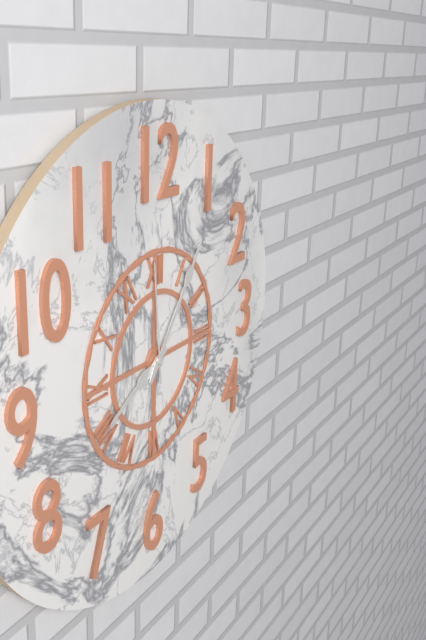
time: 8:06:59
